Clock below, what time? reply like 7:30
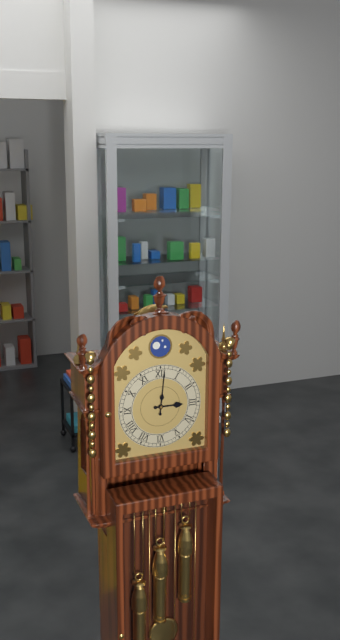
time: 3:01
